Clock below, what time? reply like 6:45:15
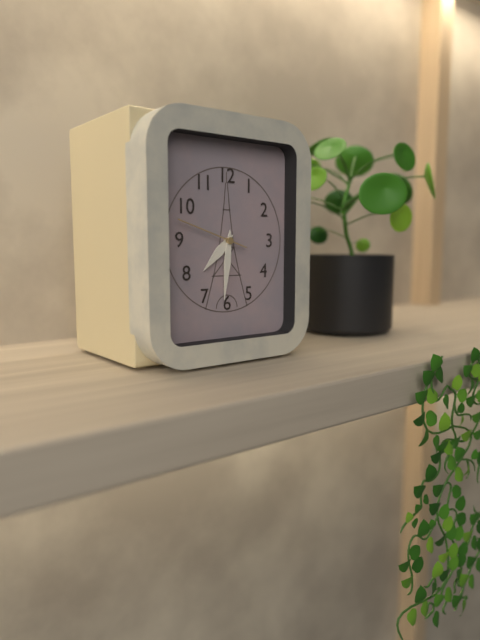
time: 7:31:48
